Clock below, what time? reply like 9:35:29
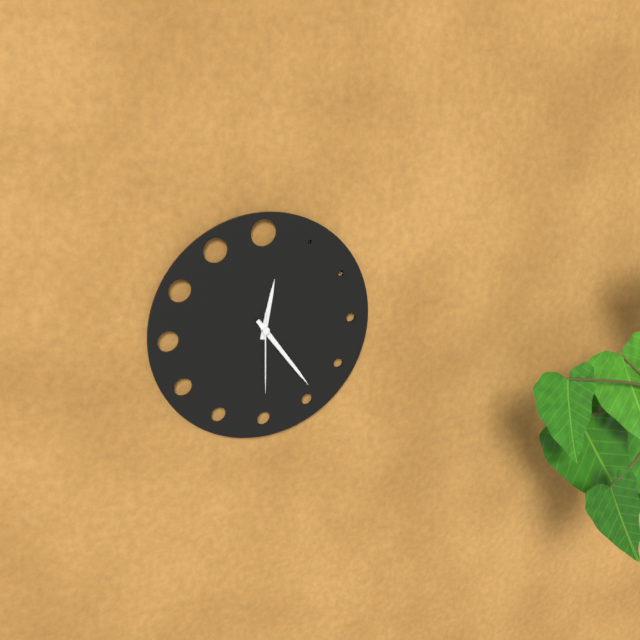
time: 12:24:30
